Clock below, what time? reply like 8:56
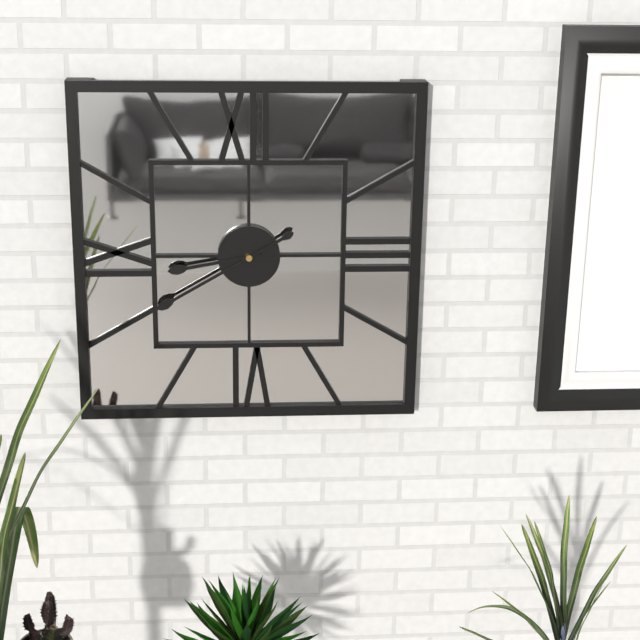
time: 8:40
